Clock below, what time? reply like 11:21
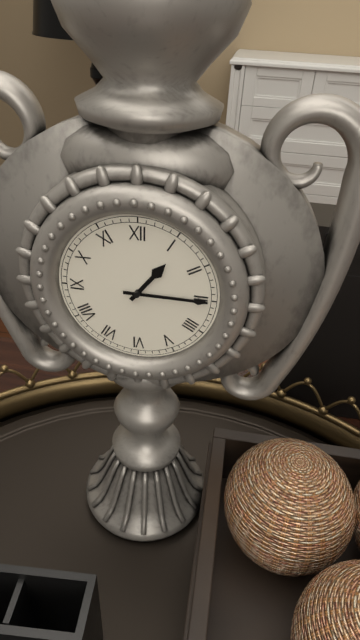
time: 1:15
